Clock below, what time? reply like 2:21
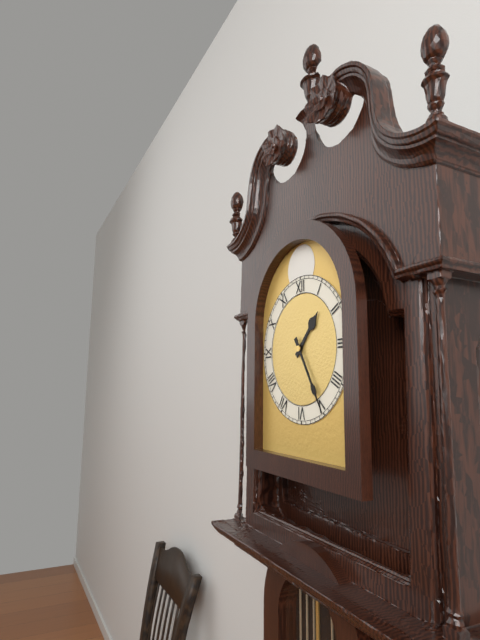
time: 1:25
